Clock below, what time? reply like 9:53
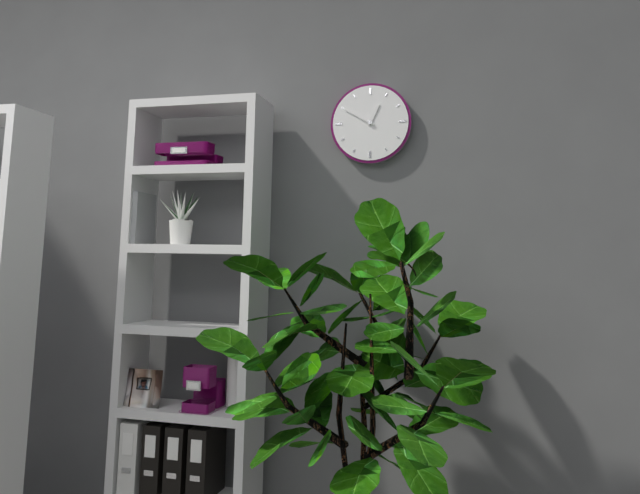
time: 12:50
